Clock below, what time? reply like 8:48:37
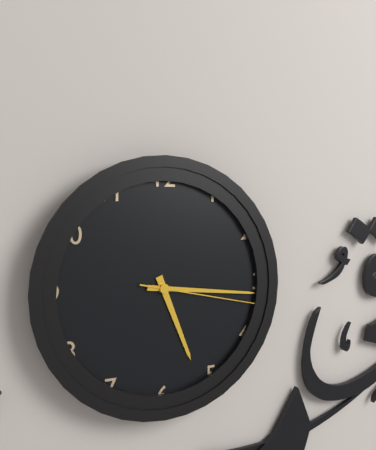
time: 5:16:17
